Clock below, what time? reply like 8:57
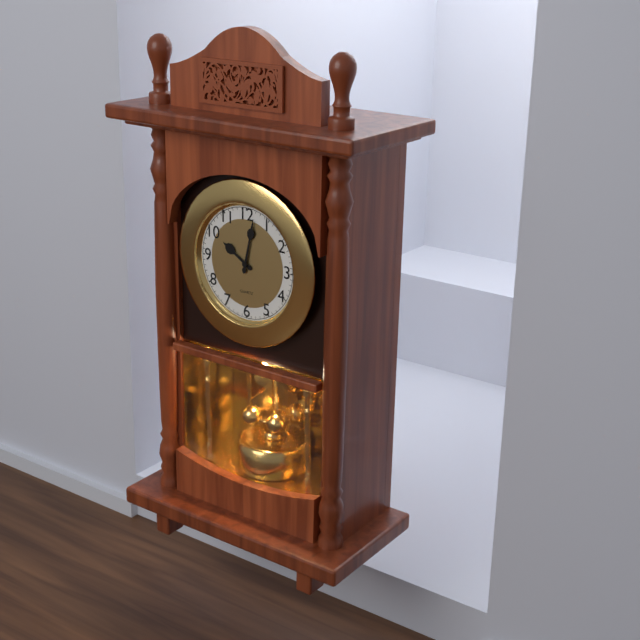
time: 10:02
